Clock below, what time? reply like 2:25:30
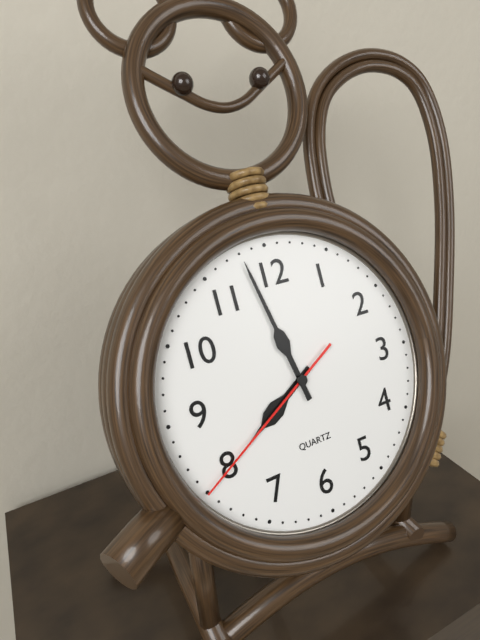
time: 7:58:40
